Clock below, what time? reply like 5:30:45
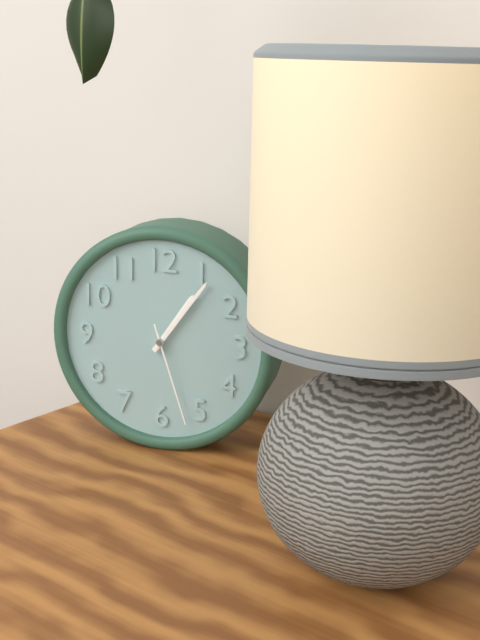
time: 1:06:27
